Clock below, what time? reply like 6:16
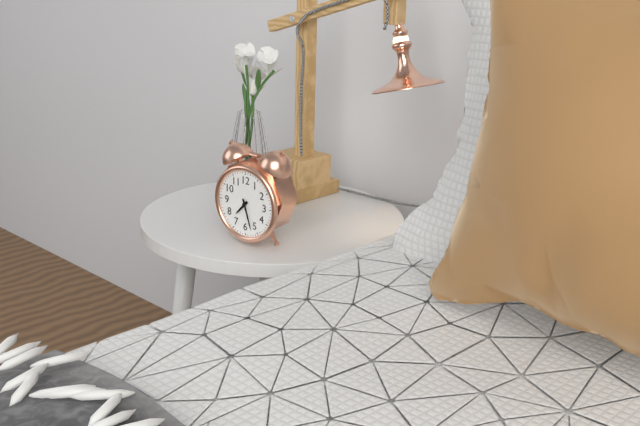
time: 7:27
